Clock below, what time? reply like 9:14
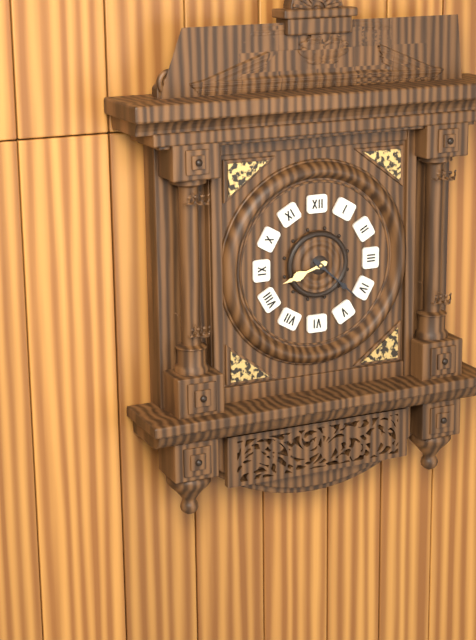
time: 8:22
